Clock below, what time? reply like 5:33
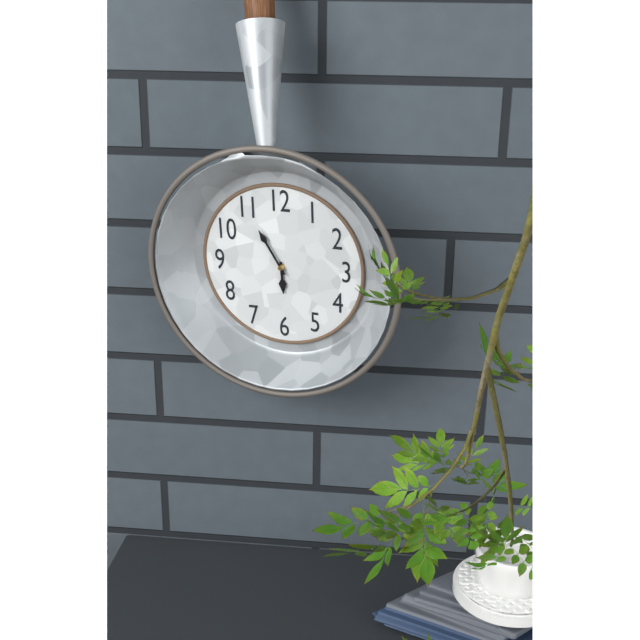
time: 5:55
